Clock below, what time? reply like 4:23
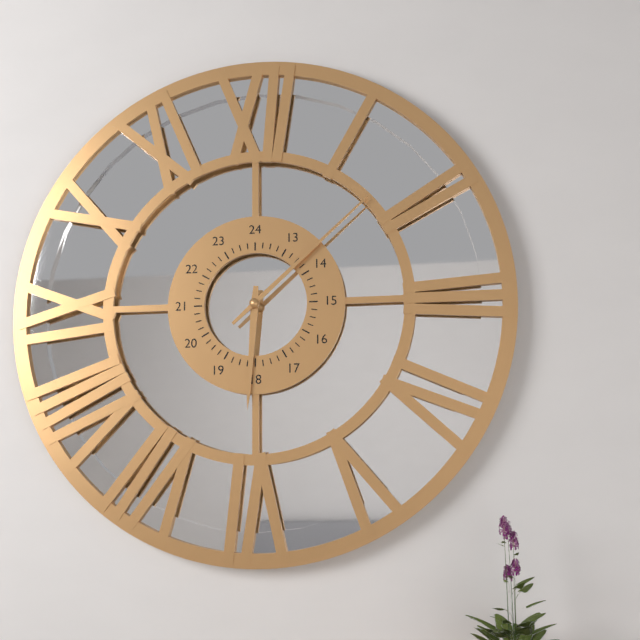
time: 6:08
